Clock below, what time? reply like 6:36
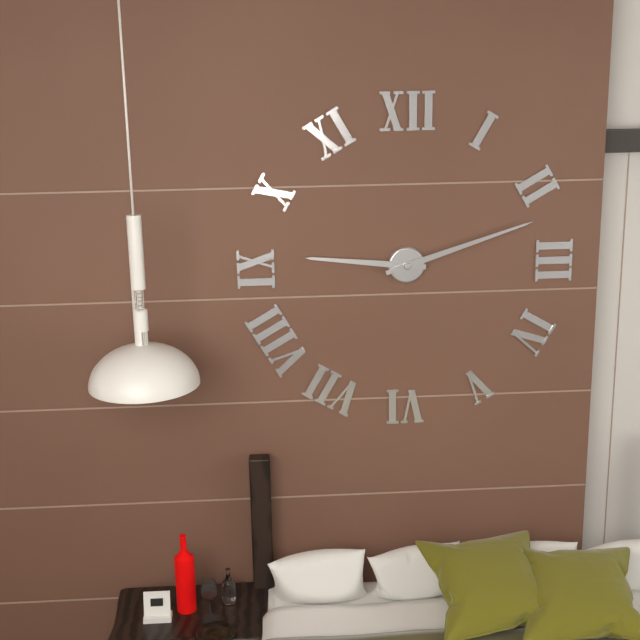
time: 9:12
